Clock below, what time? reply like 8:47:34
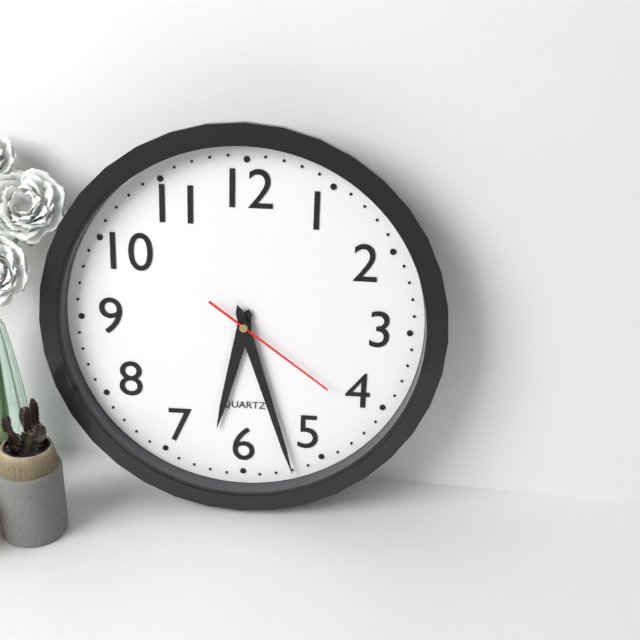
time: 6:27:21
